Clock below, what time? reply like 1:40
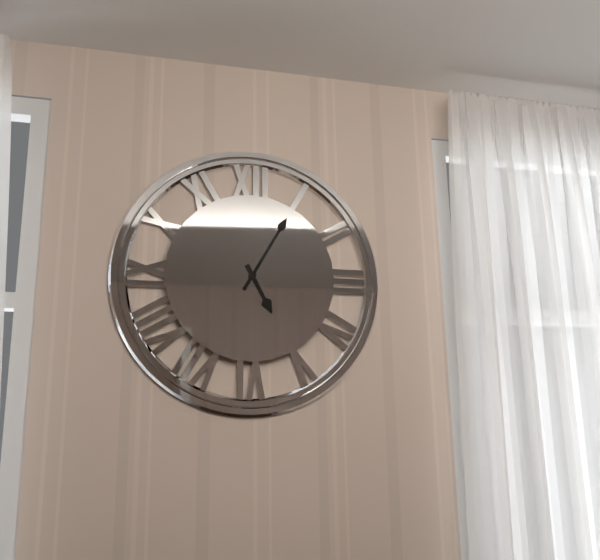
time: 5:05
